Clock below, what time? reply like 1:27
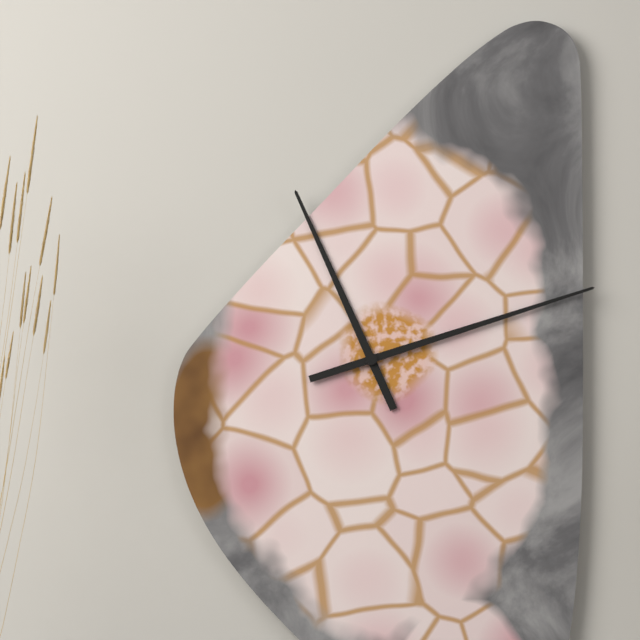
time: 11:12
